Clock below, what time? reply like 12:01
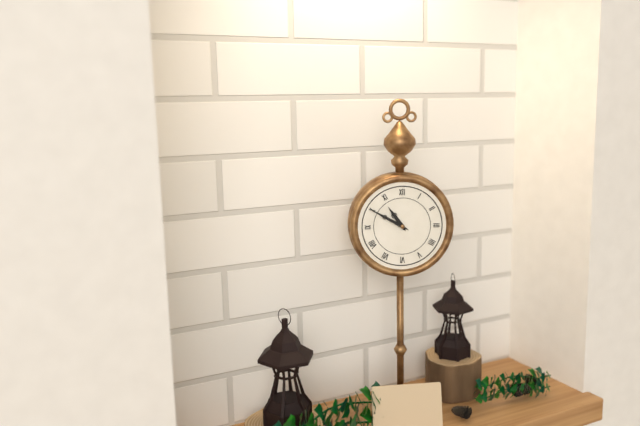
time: 10:50
